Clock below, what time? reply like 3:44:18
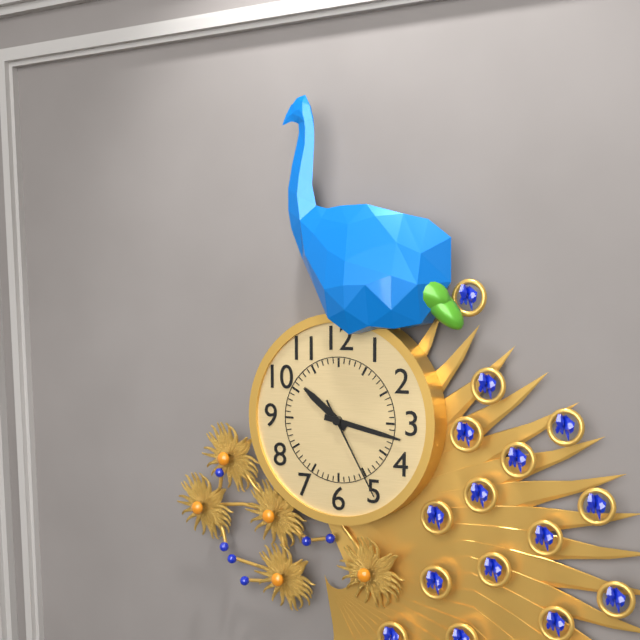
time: 10:17:25
